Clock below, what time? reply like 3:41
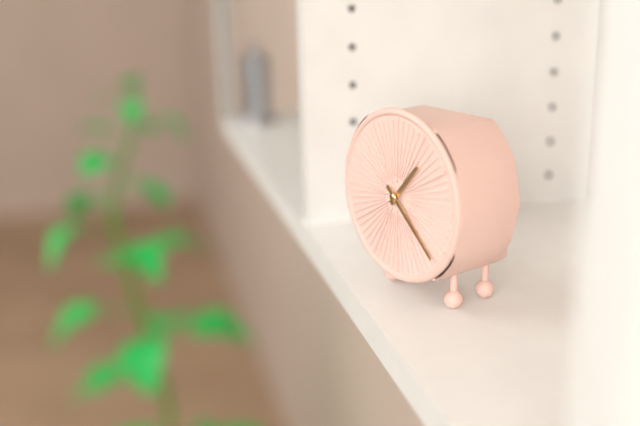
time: 1:22
